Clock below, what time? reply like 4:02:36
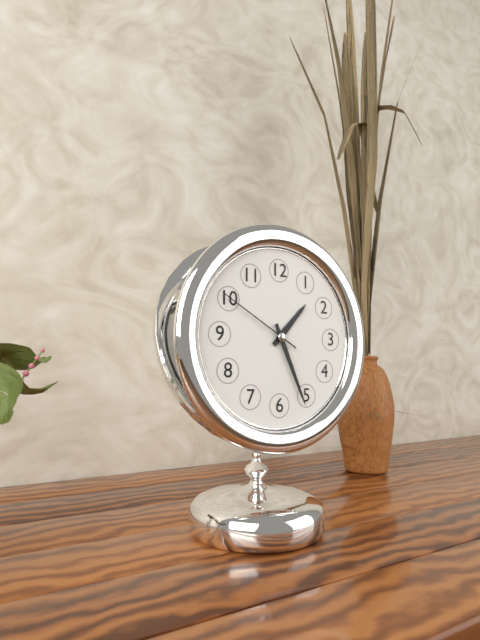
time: 1:26:50
